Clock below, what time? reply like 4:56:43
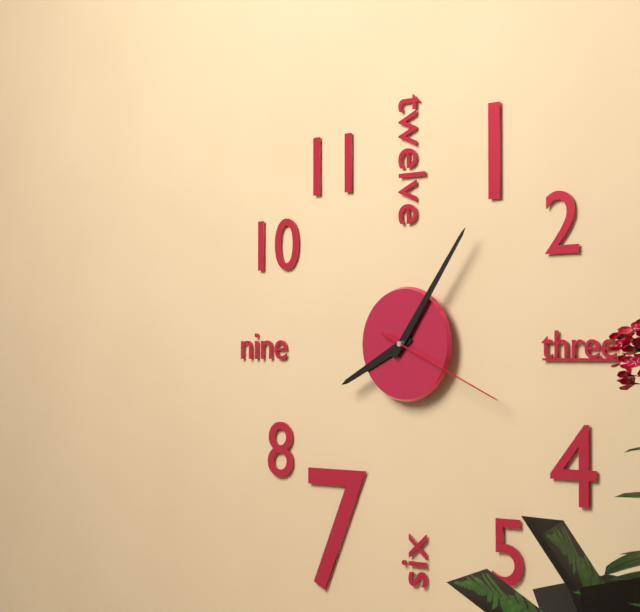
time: 8:06:19
